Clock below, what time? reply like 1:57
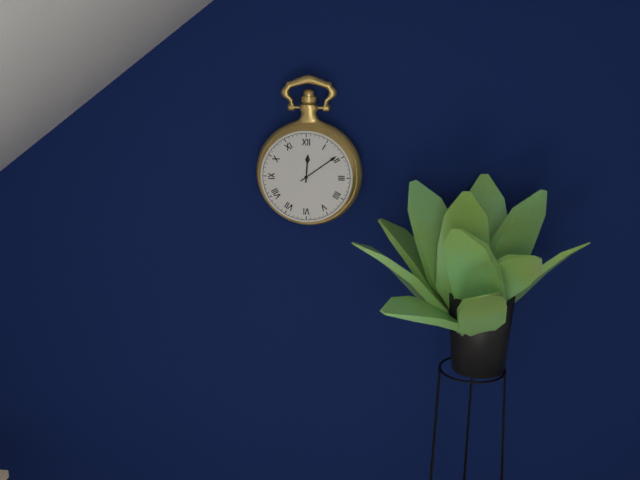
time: 12:09
